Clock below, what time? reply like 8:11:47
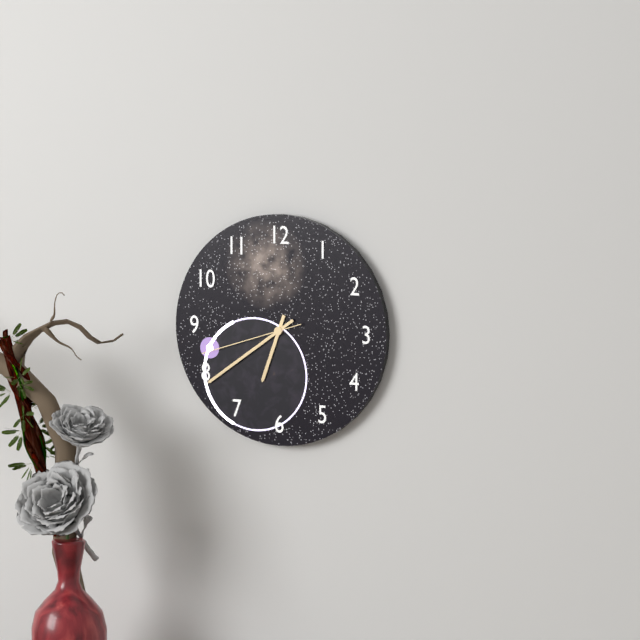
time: 6:39:42
